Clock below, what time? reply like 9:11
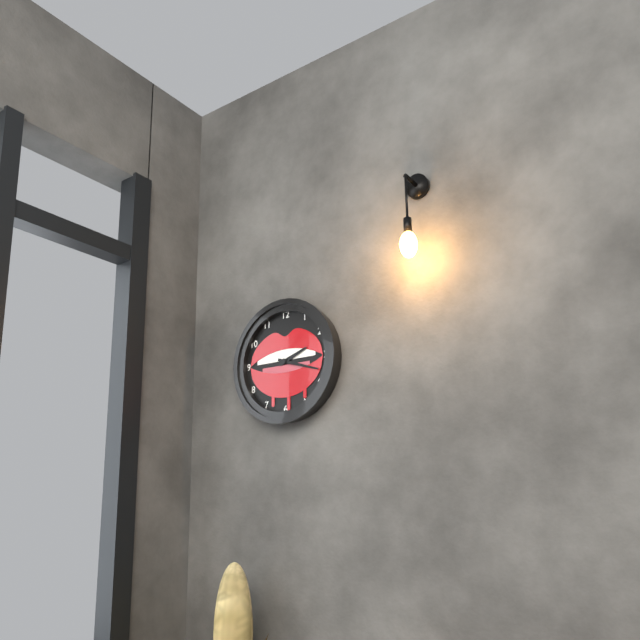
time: 2:18
